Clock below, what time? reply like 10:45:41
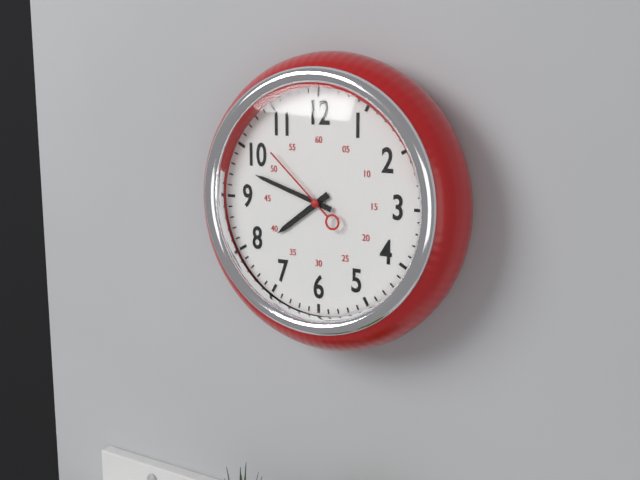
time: 7:48:52
